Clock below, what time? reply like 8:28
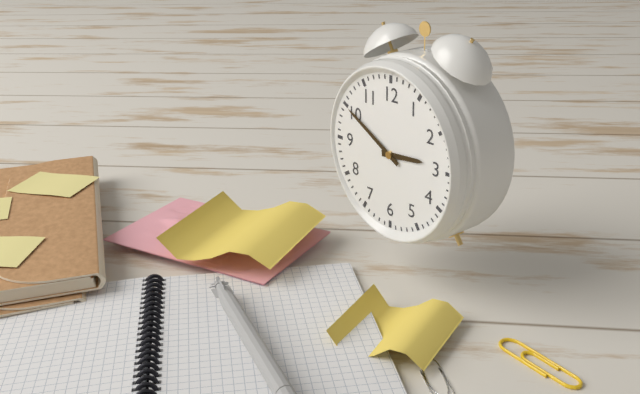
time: 2:50
